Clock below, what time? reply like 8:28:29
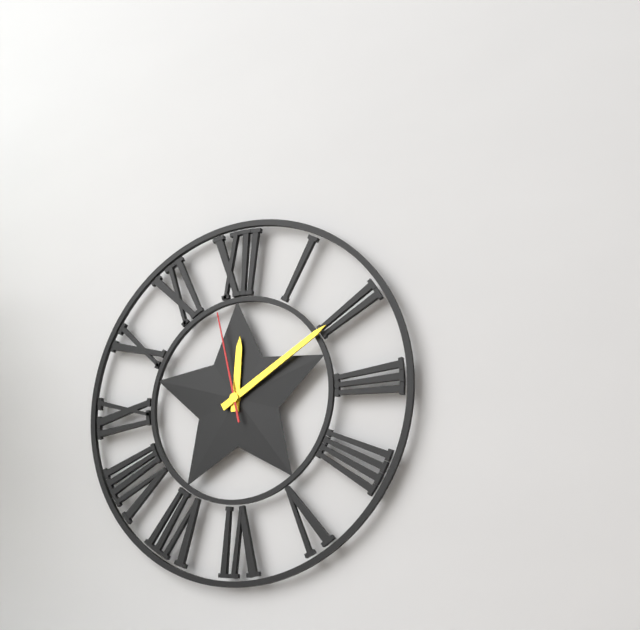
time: 12:10:58
